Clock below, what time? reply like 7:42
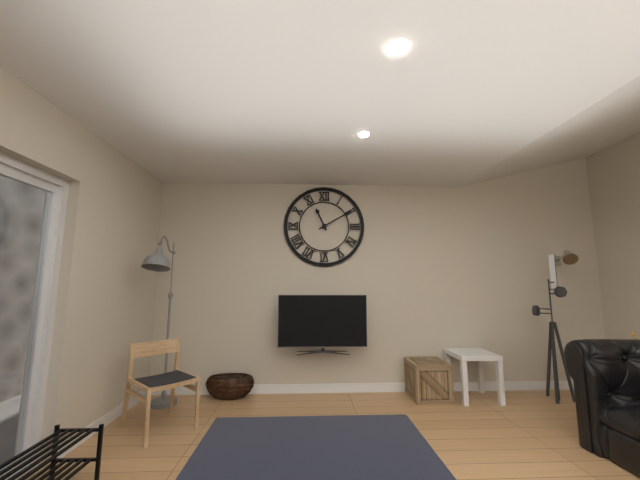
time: 11:10
